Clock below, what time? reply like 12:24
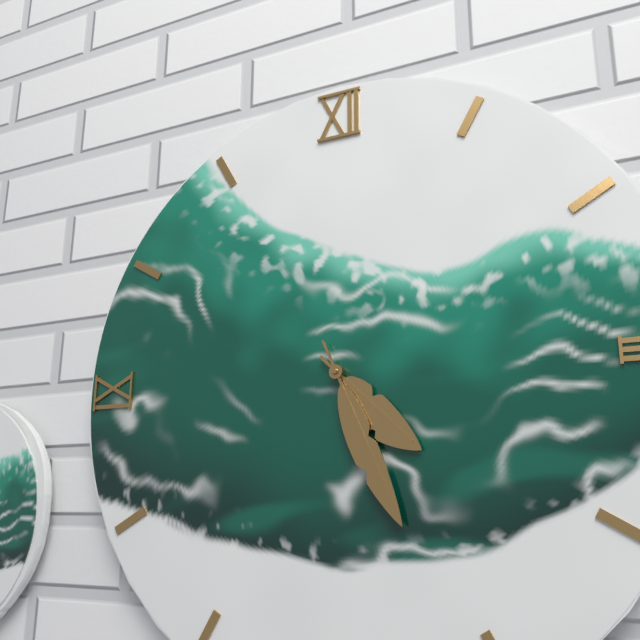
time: 4:26
